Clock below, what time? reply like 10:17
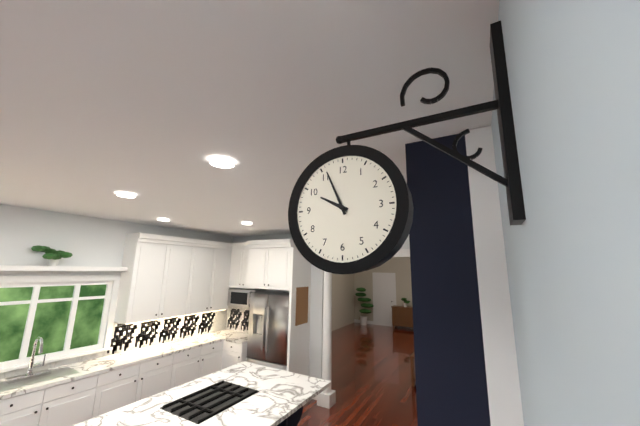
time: 9:56
